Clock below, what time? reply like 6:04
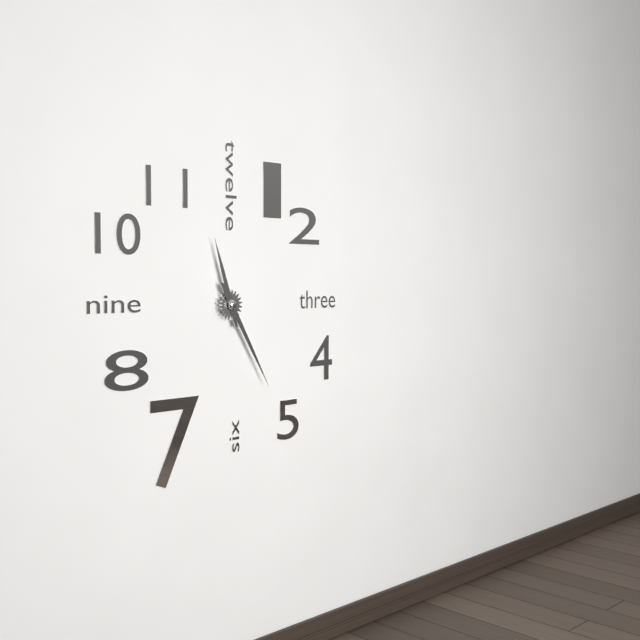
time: 11:25
